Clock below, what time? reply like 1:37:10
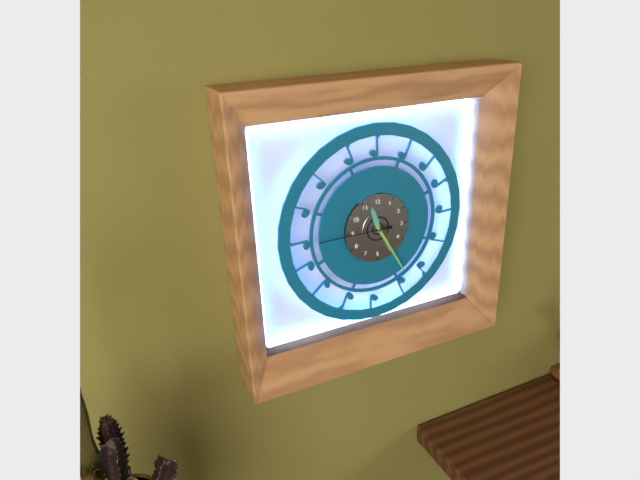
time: 11:25:45
